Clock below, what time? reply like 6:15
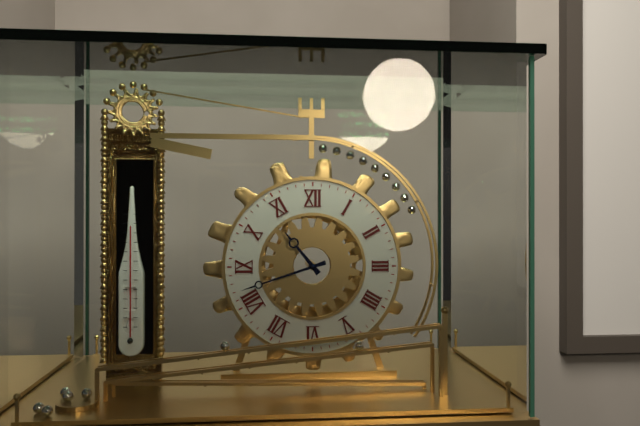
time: 10:42
